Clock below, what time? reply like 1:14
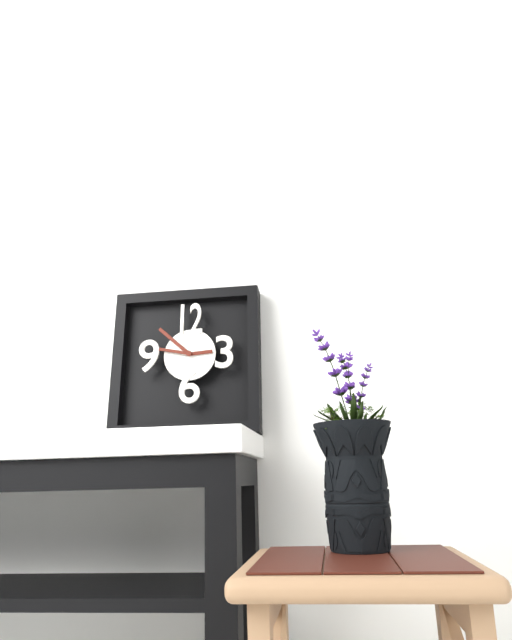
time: 2:52
